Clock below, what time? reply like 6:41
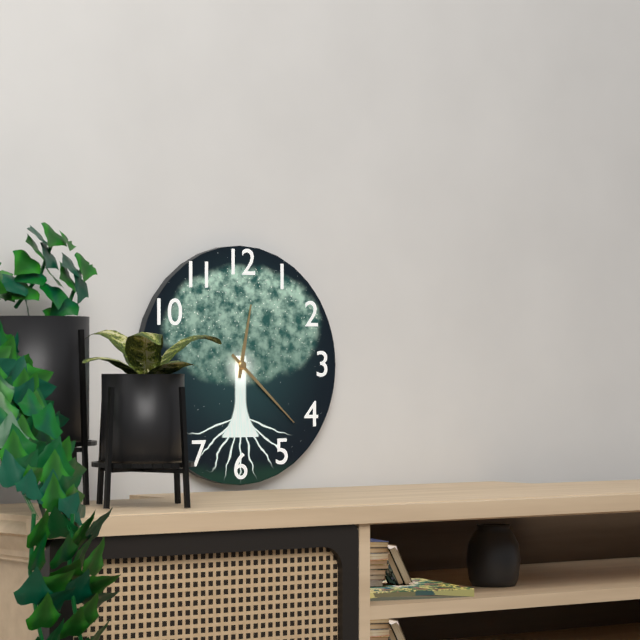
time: 12:22
